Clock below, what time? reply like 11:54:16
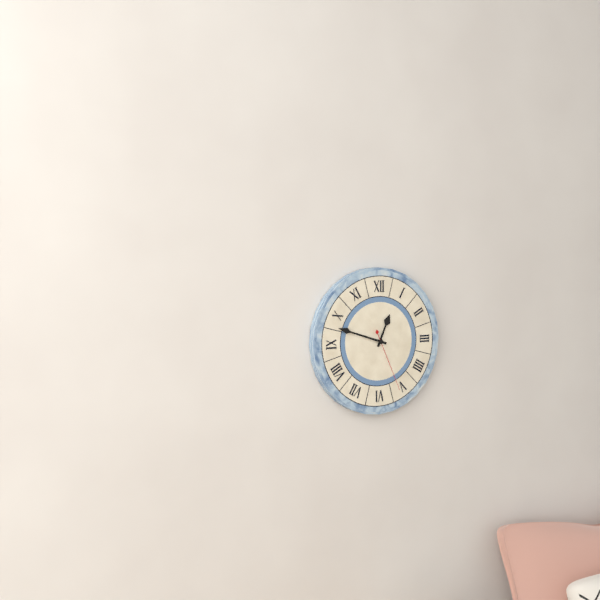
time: 12:48:26
